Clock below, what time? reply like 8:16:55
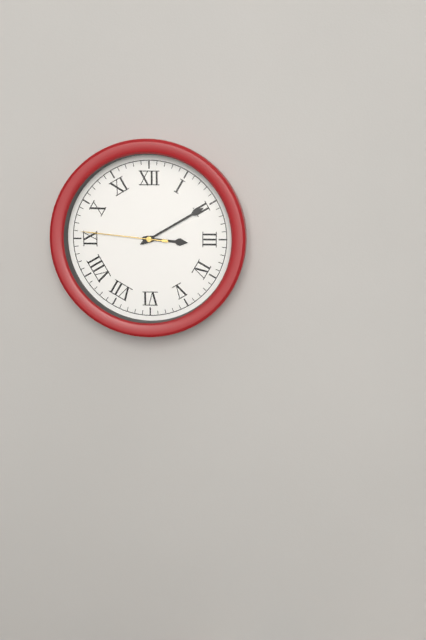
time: 3:10:46
